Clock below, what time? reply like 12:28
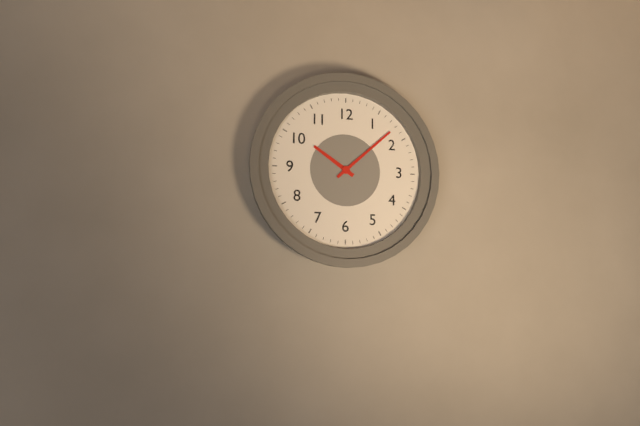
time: 10:08
